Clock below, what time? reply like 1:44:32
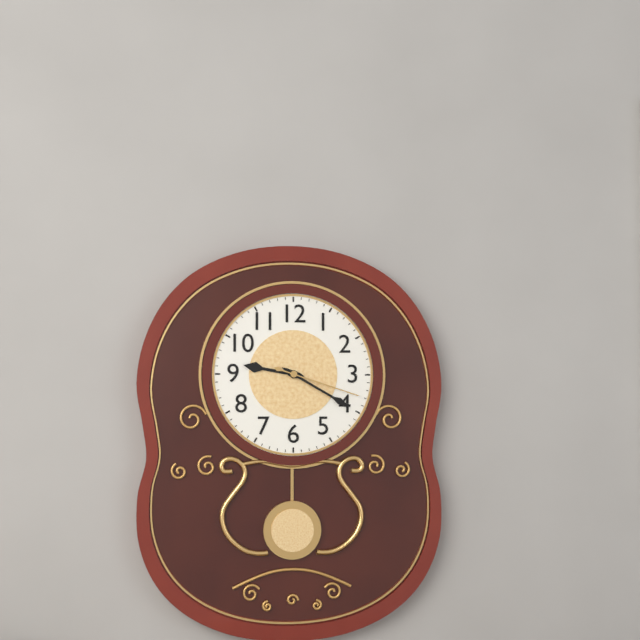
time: 9:20:18
